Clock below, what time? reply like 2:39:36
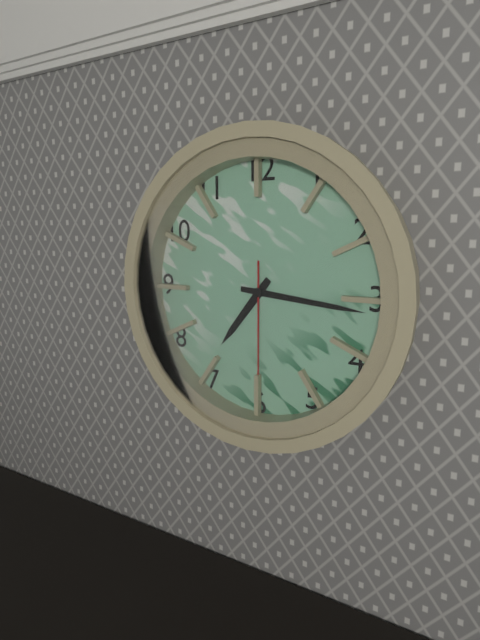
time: 7:16:30
